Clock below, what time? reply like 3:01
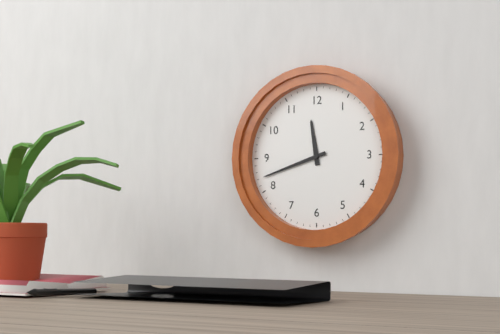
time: 11:42
